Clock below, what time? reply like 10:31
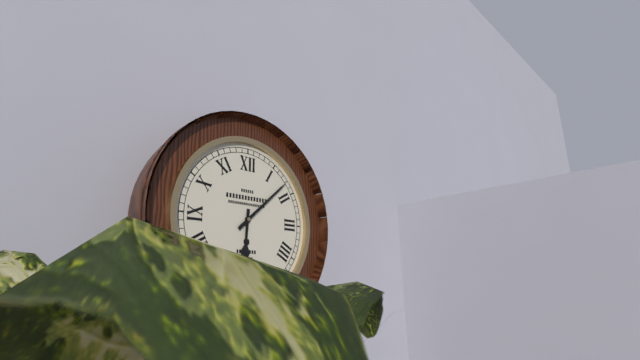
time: 6:08
